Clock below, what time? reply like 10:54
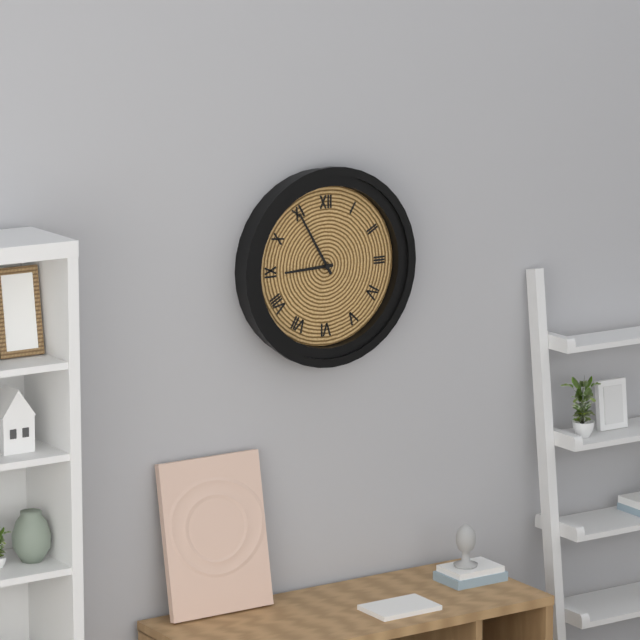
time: 8:55
